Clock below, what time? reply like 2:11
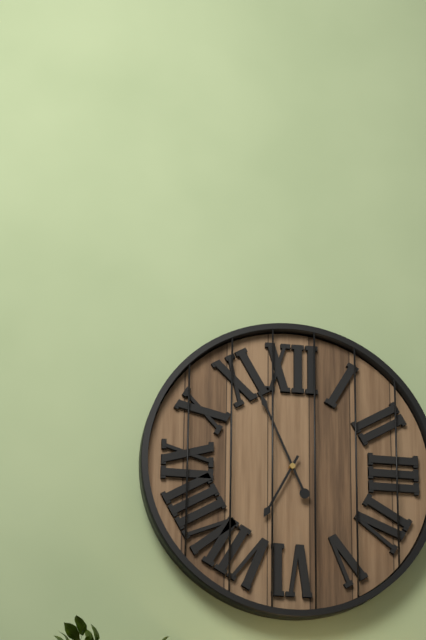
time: 6:56
